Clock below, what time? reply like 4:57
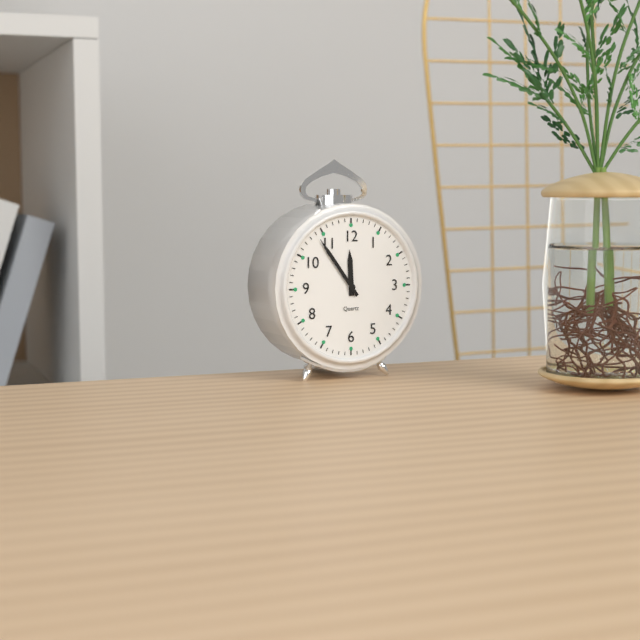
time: 11:54
